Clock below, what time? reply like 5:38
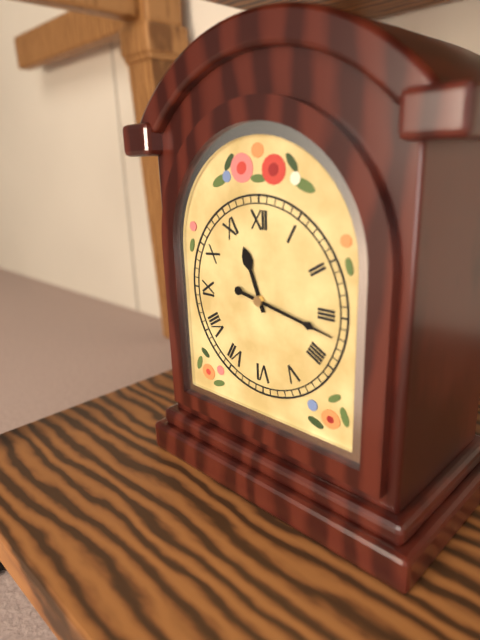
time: 11:17
